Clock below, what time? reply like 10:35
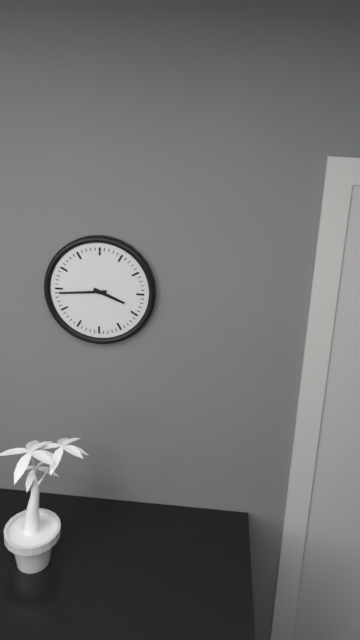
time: 3:44
